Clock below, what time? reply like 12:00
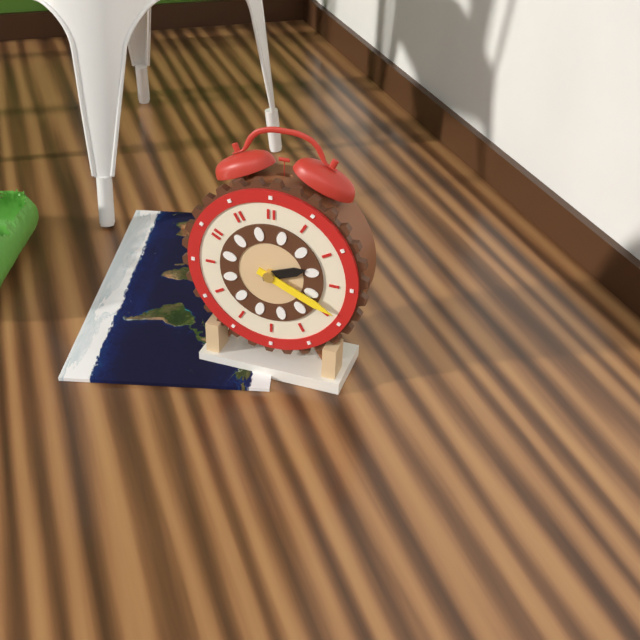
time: 2:19
